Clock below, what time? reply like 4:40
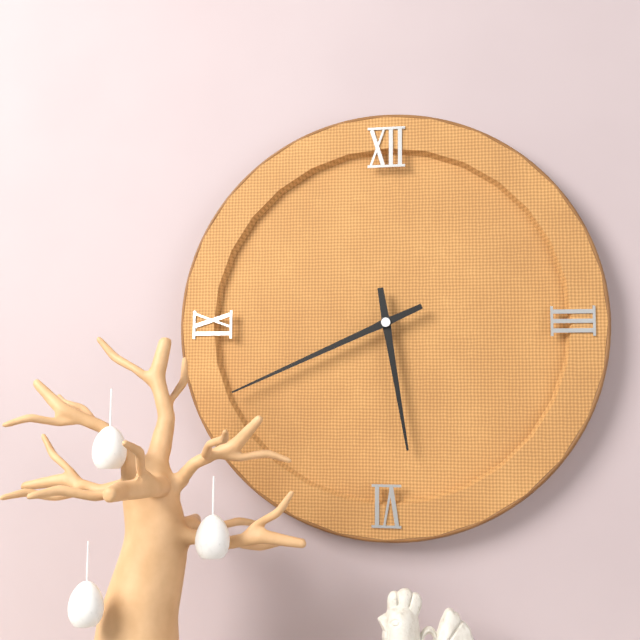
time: 5:41
